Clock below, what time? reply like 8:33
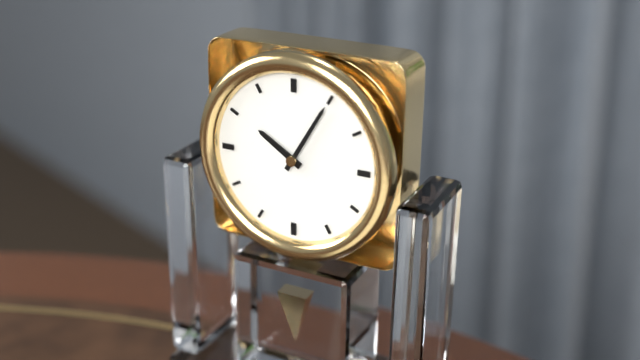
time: 10:05
